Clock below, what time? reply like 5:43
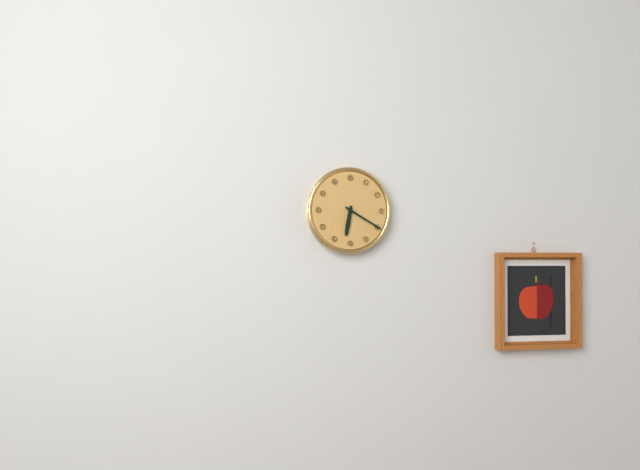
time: 6:20
